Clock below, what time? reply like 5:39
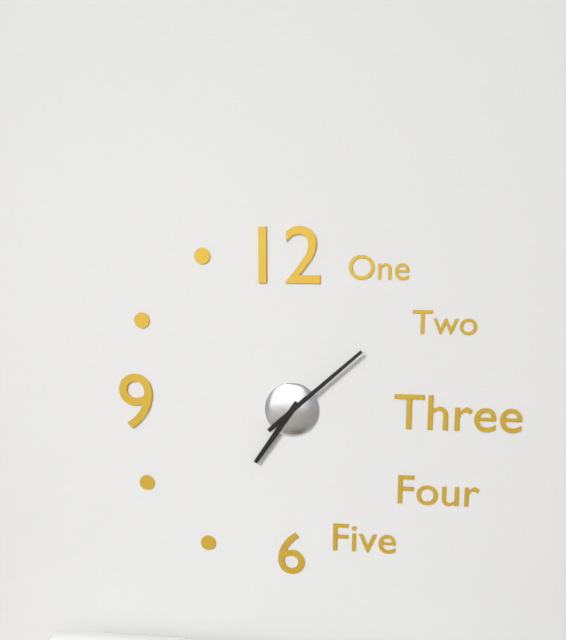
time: 7:08
